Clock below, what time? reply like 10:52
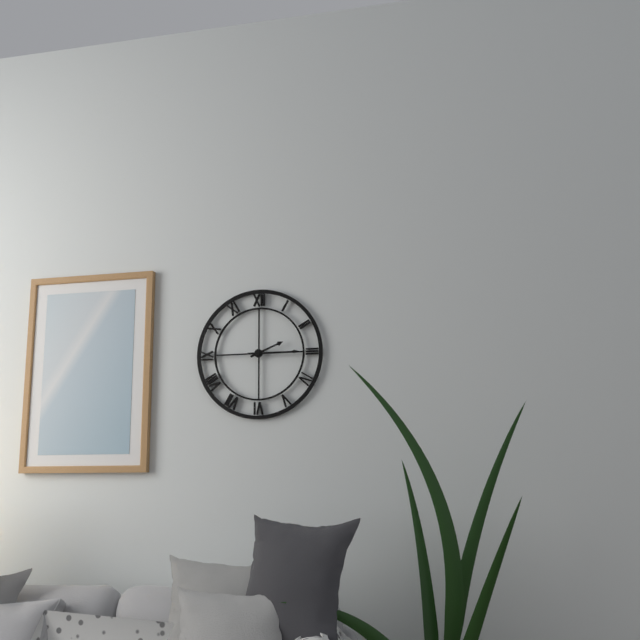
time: 2:15
